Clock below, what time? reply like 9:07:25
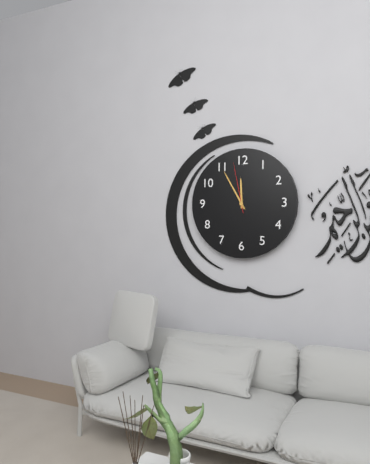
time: 11:55:58
